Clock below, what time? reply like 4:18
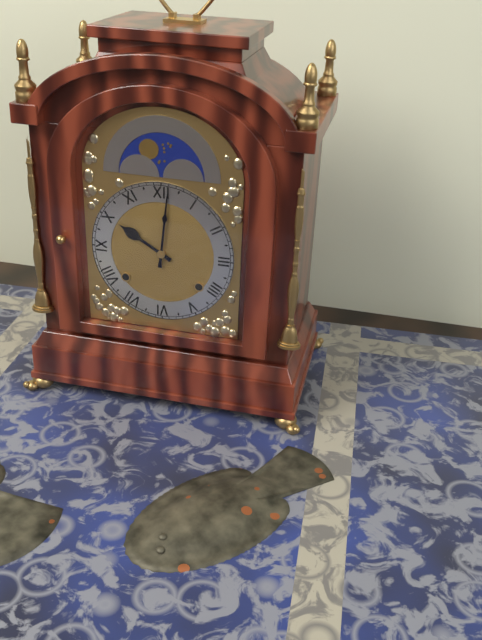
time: 10:01
